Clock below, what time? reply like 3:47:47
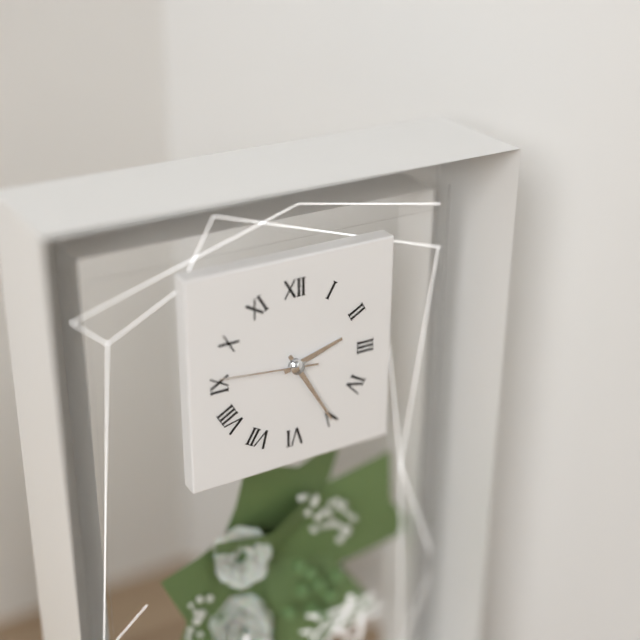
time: 2:25:46
